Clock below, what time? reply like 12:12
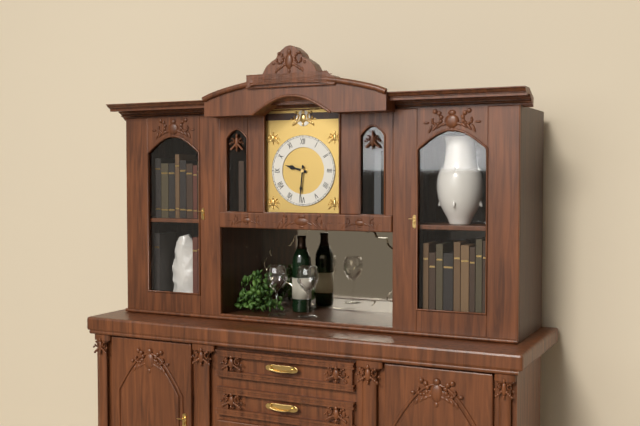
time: 9:31
